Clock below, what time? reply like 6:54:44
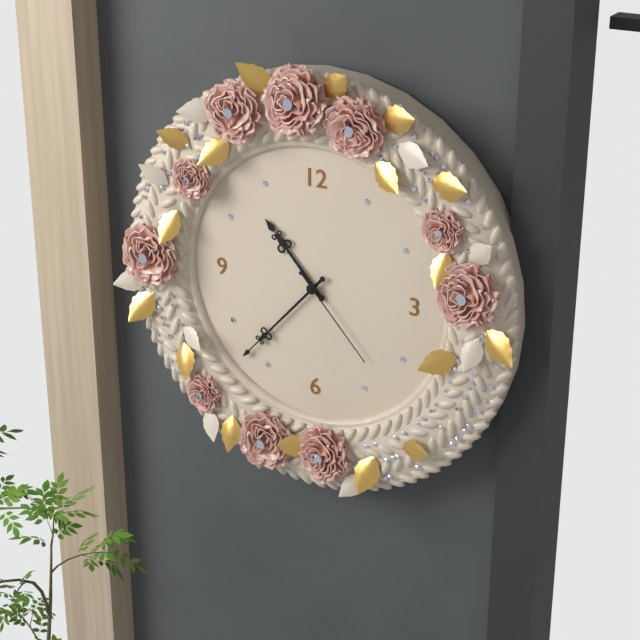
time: 10:37:23
